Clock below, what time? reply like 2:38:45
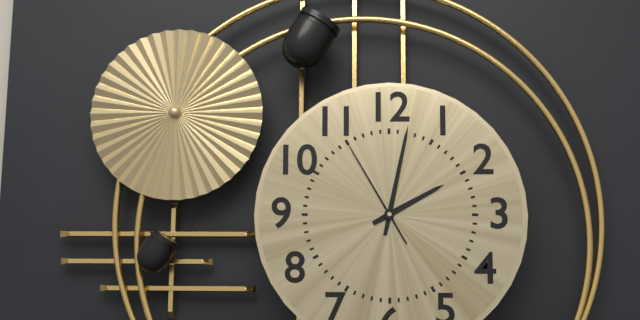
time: 2:02:55
